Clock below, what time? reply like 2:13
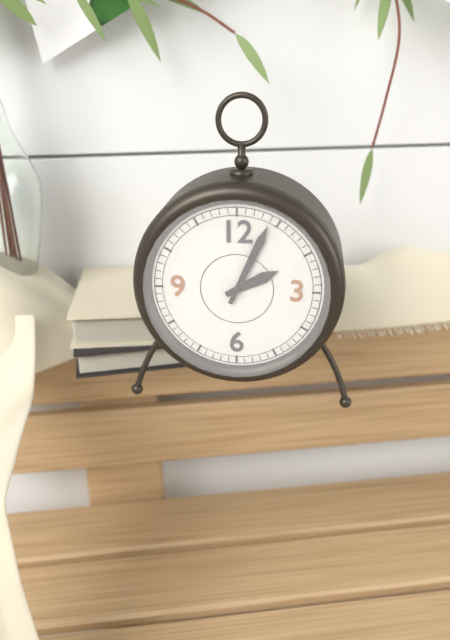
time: 2:04
